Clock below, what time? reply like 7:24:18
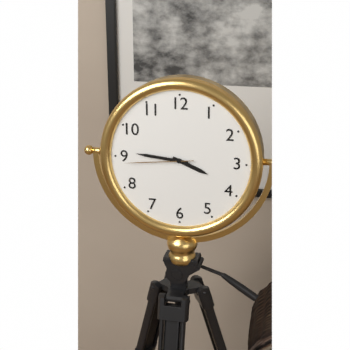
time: 3:46:44
